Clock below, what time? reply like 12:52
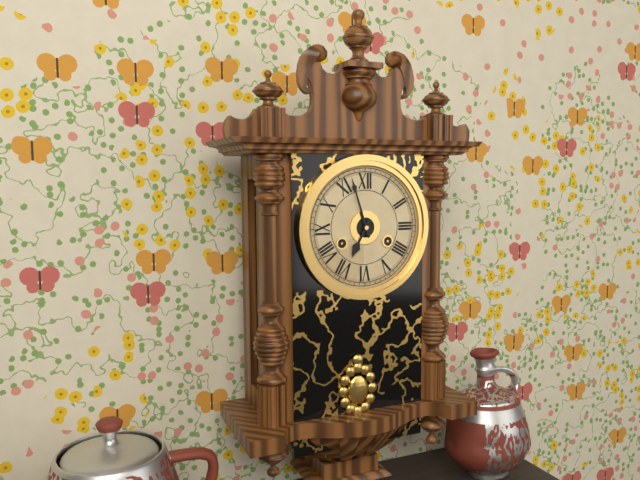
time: 6:57
